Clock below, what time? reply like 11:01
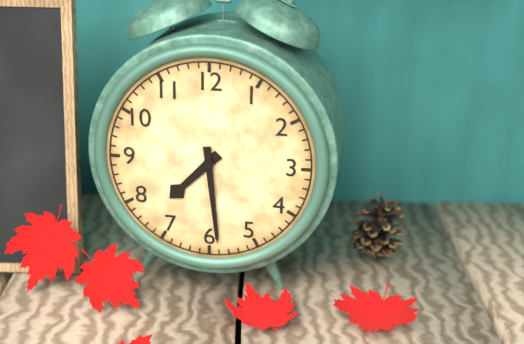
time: 7:29
